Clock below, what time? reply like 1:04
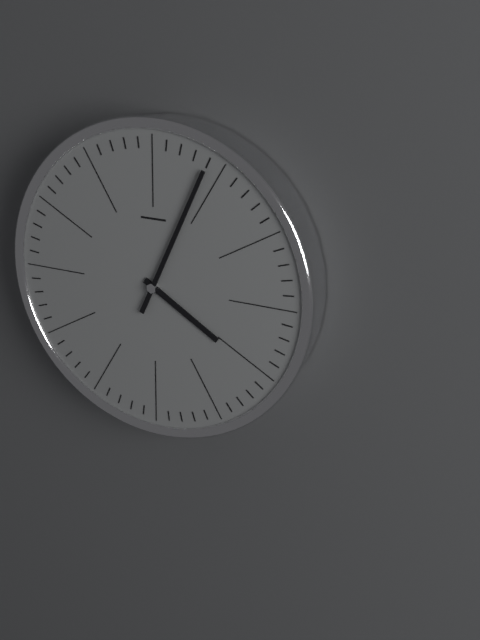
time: 4:04
